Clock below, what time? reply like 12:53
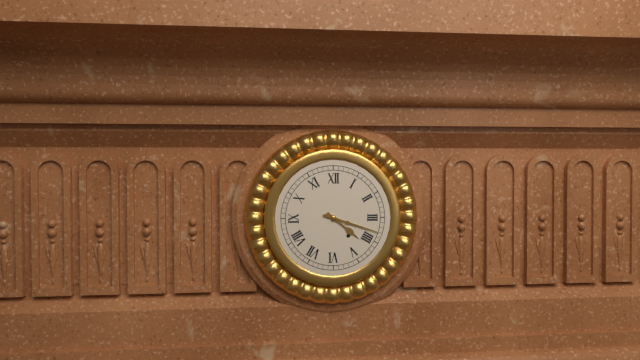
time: 4:18
